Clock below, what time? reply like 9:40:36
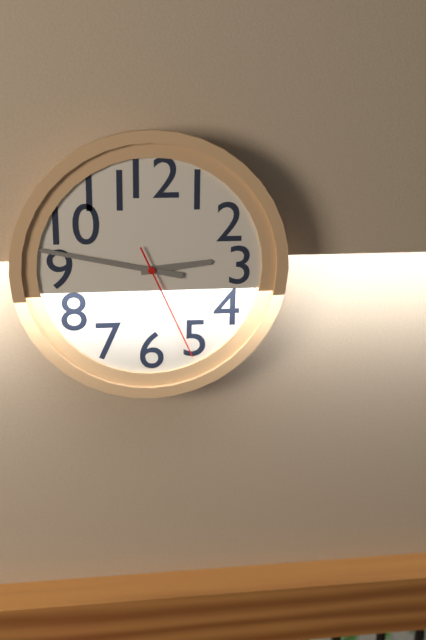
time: 2:47:26
